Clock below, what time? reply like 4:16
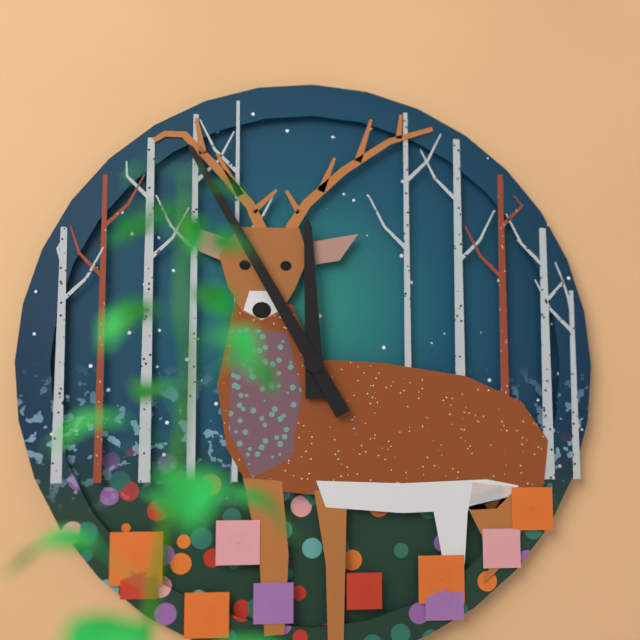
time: 11:55
